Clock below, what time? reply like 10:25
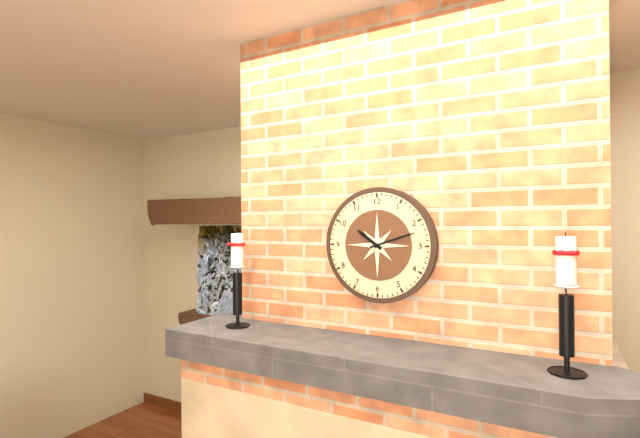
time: 10:12
